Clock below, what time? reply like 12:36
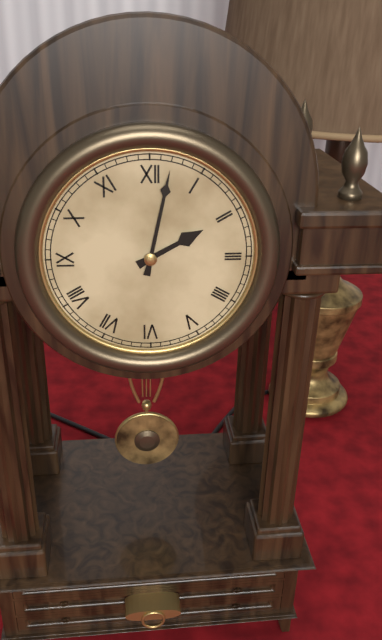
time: 2:02
